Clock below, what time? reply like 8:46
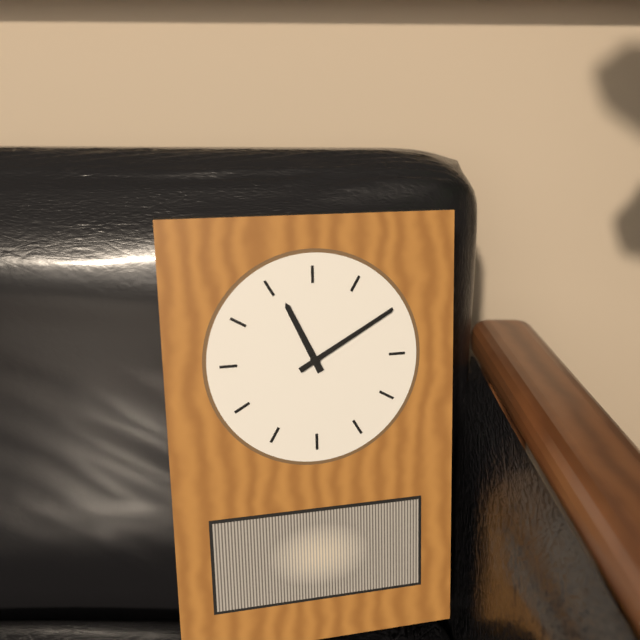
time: 11:10
